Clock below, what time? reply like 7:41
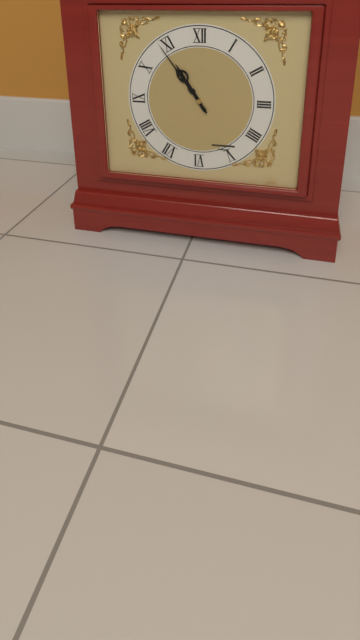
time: 10:54
